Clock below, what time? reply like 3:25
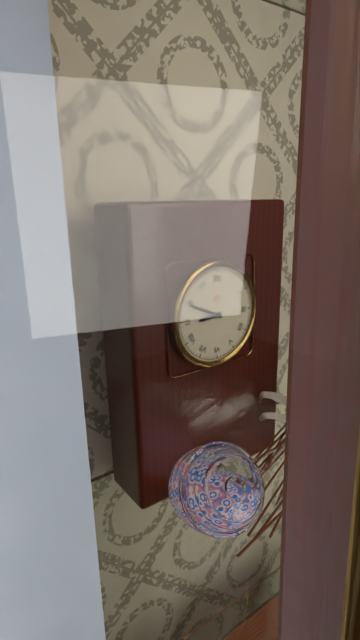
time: 8:49
